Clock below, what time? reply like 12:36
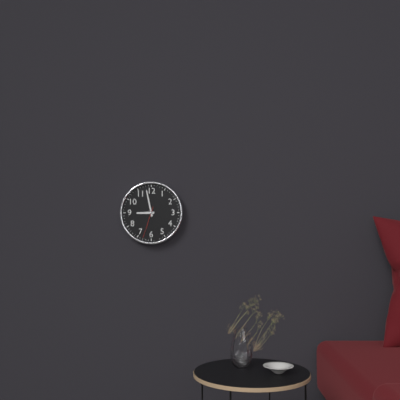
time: 8:58
